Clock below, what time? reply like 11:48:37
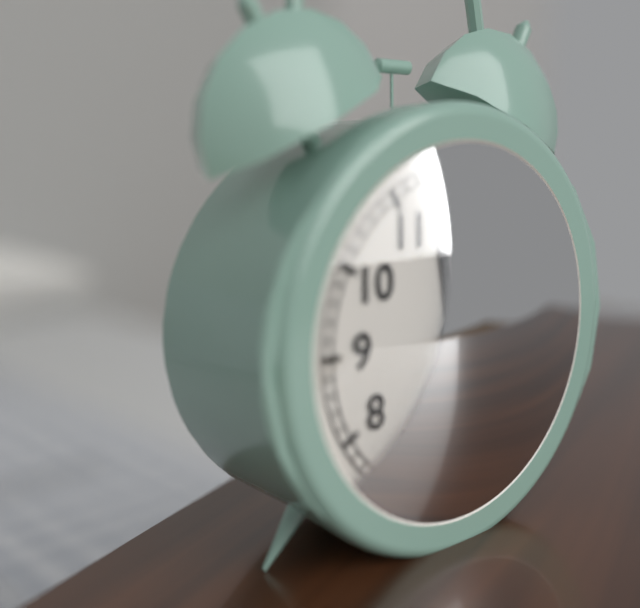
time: 11:36:03
